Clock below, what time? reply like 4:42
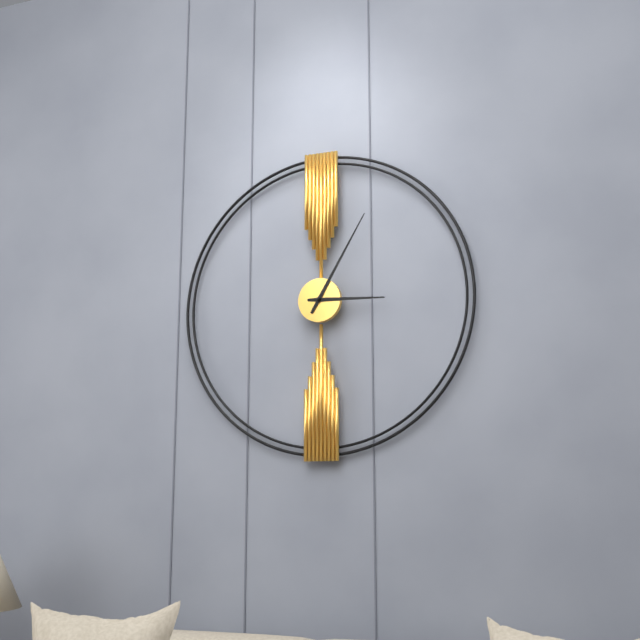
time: 3:05
